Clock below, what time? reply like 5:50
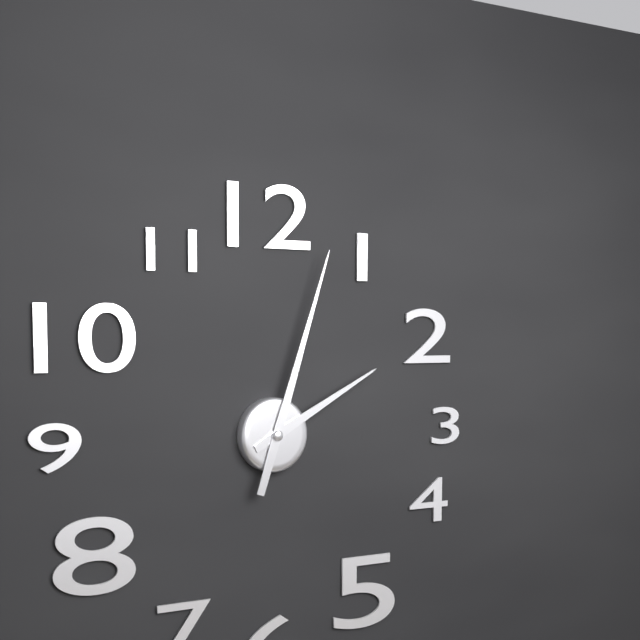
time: 2:03
